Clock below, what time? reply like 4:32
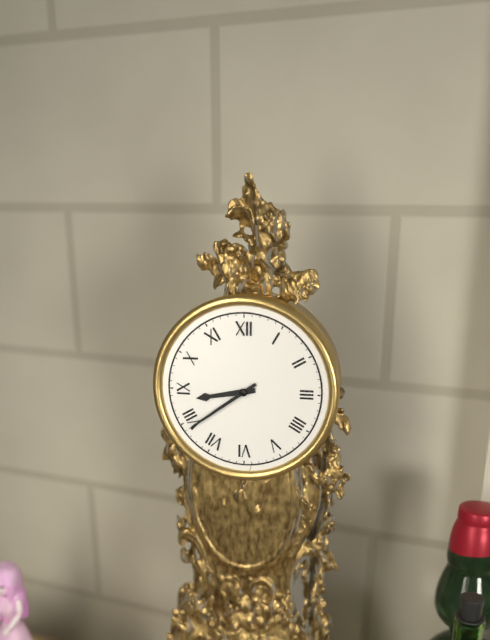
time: 8:39
